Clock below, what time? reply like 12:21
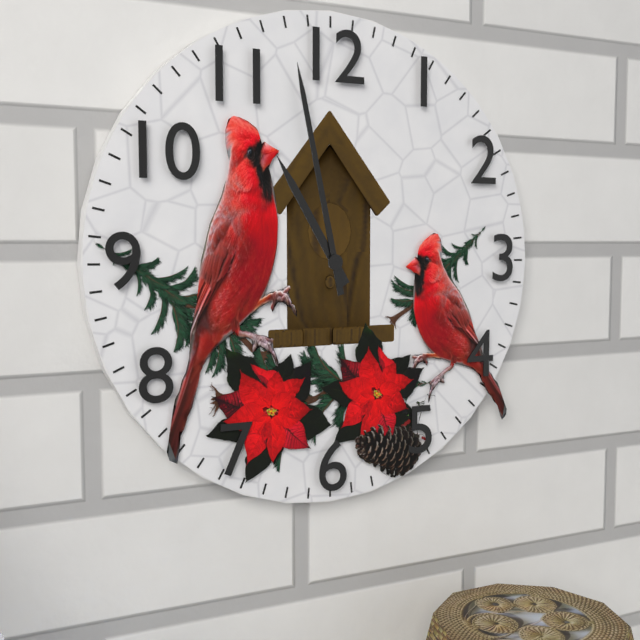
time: 10:58
